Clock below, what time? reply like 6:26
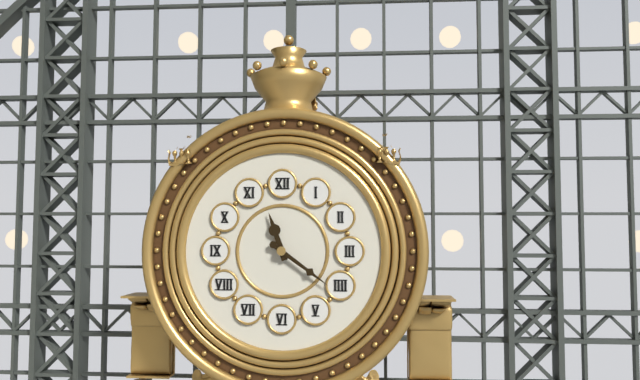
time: 11:21
